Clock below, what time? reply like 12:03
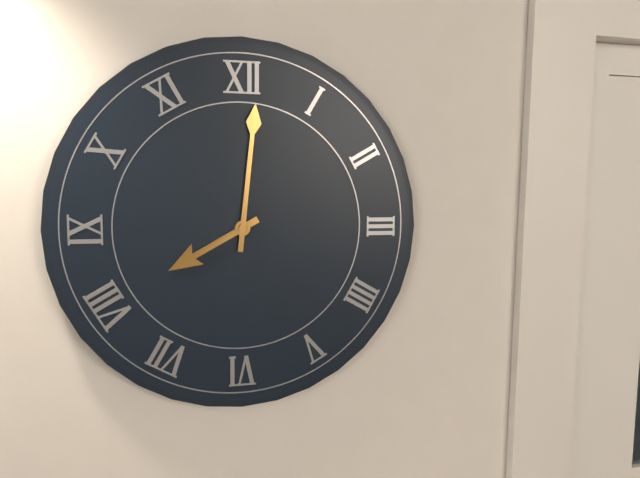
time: 8:01
